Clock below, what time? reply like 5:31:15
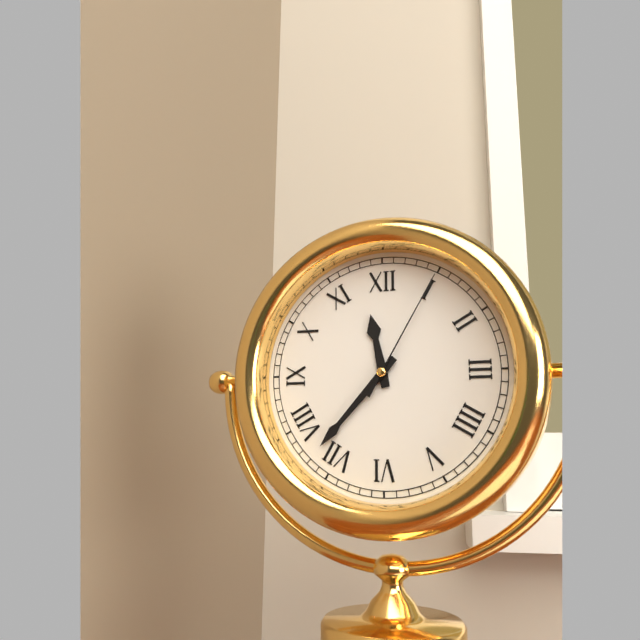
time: 11:37:05
